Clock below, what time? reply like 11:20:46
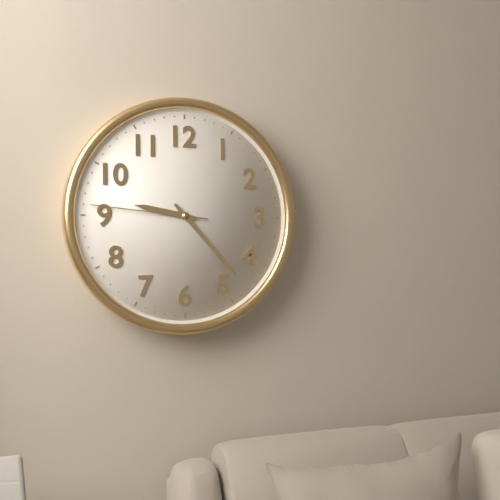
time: 9:23:46
